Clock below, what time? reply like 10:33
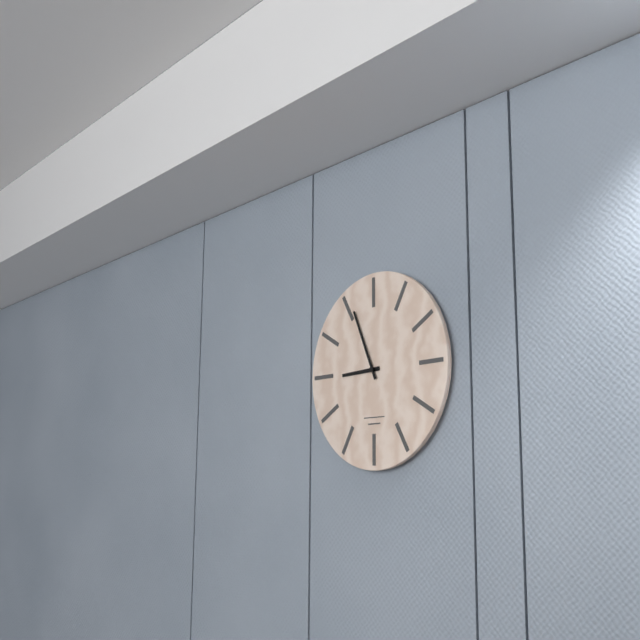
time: 8:56
